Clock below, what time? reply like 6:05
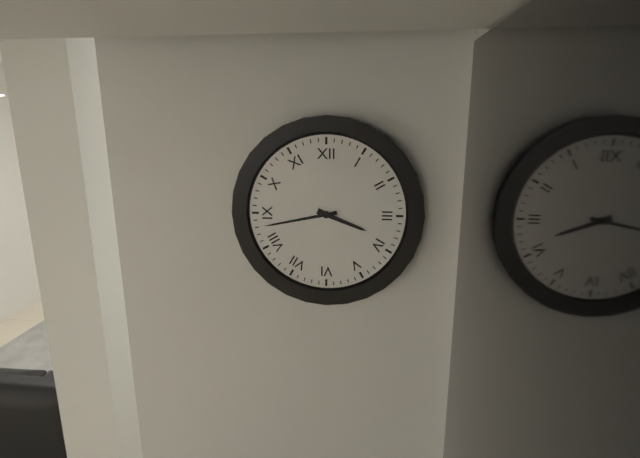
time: 3:43
